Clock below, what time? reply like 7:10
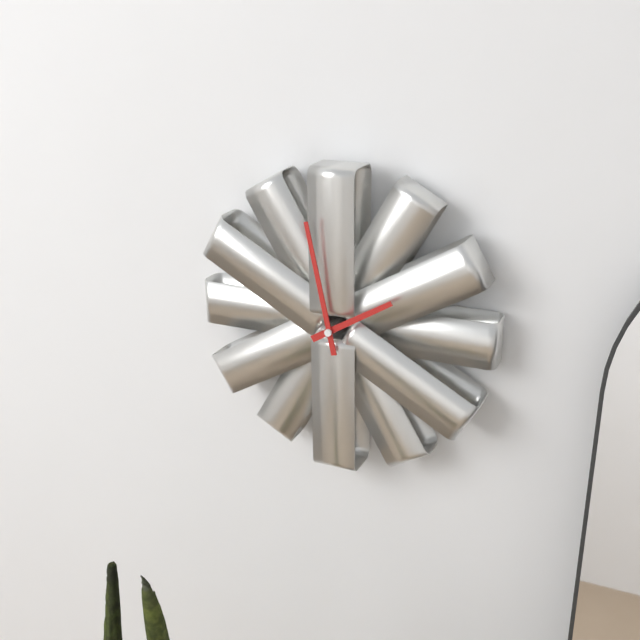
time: 1:58
